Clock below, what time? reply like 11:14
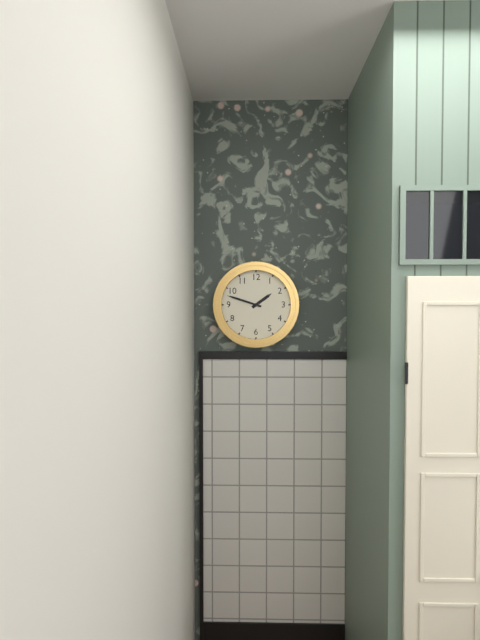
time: 1:48
